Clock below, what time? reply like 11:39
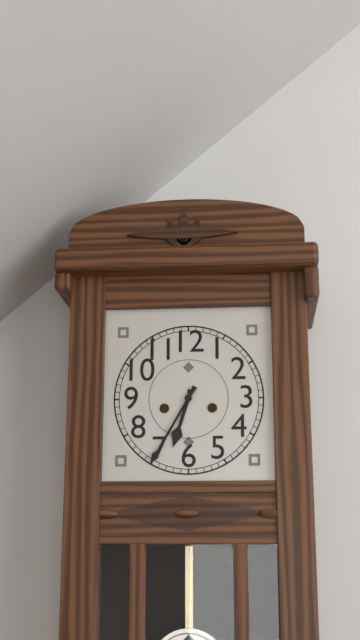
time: 6:35
